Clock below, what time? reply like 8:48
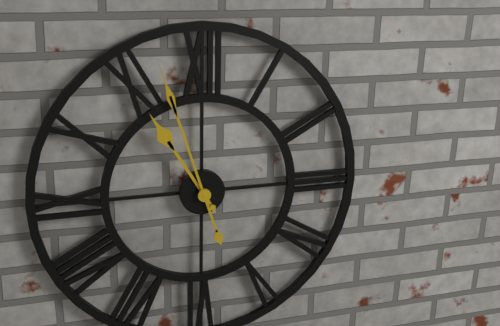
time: 10:57
